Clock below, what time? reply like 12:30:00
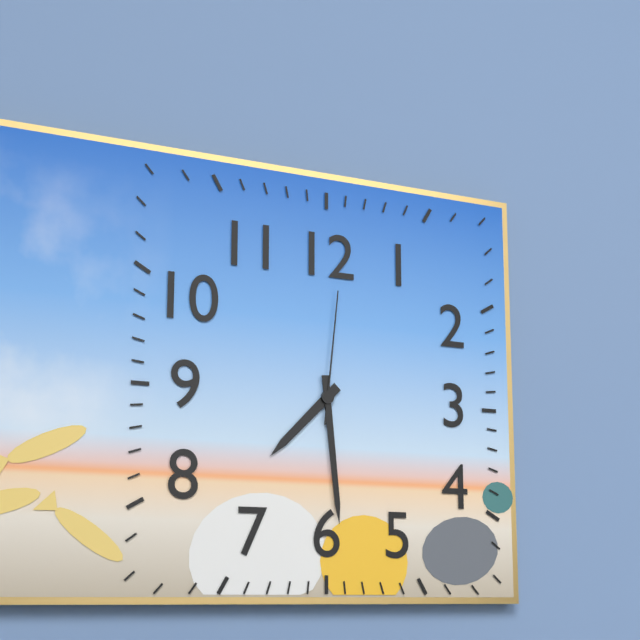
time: 7:29:01
